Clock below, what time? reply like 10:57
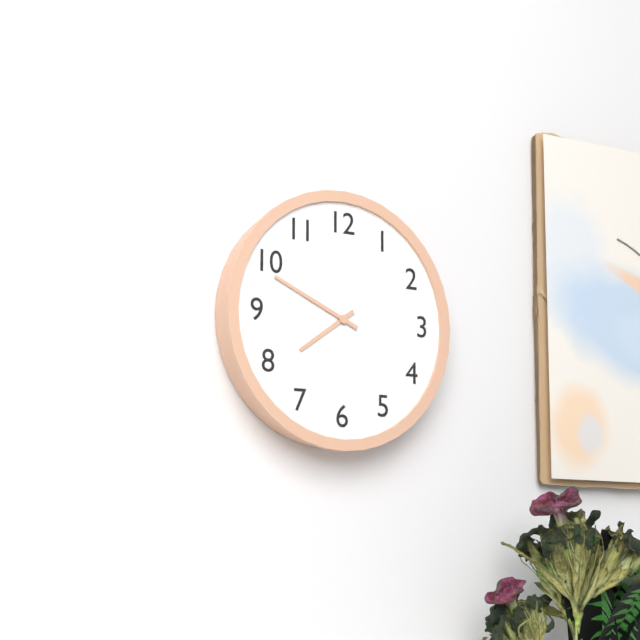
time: 7:49
